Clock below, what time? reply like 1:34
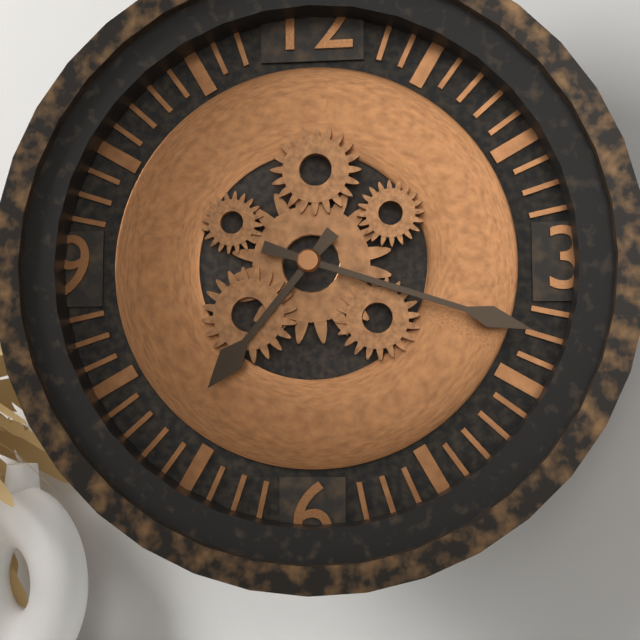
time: 7:18
